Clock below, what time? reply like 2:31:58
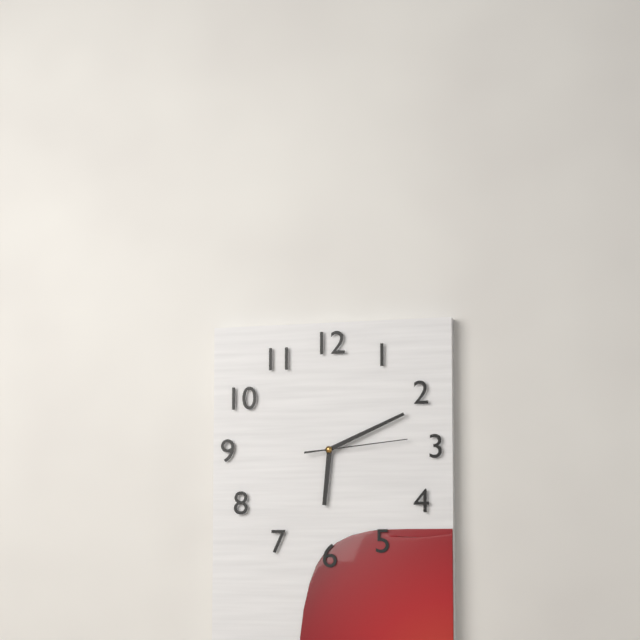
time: 6:11:14
